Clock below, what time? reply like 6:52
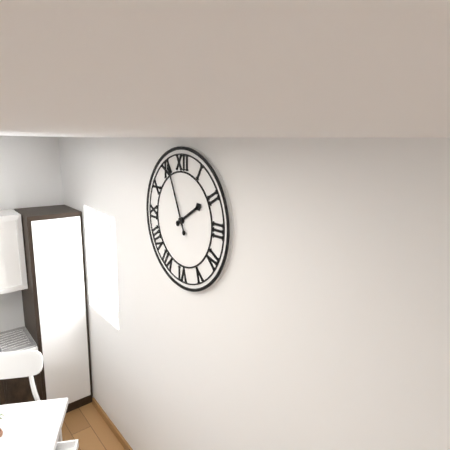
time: 1:56
